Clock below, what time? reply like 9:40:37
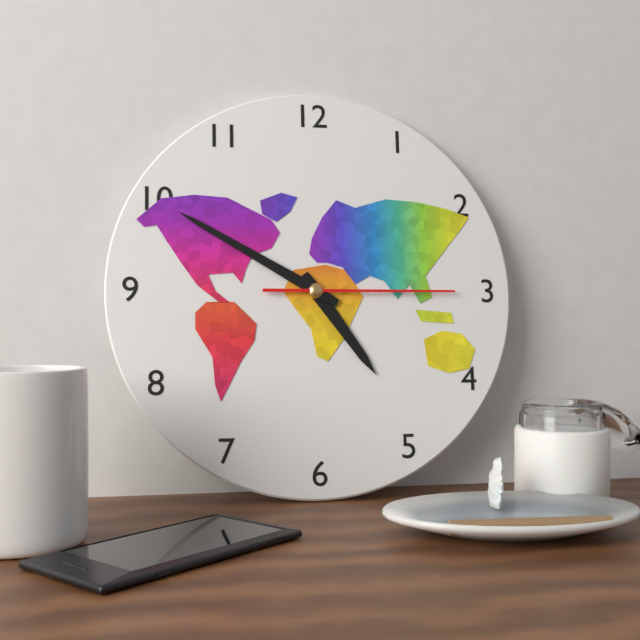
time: 4:50:15
